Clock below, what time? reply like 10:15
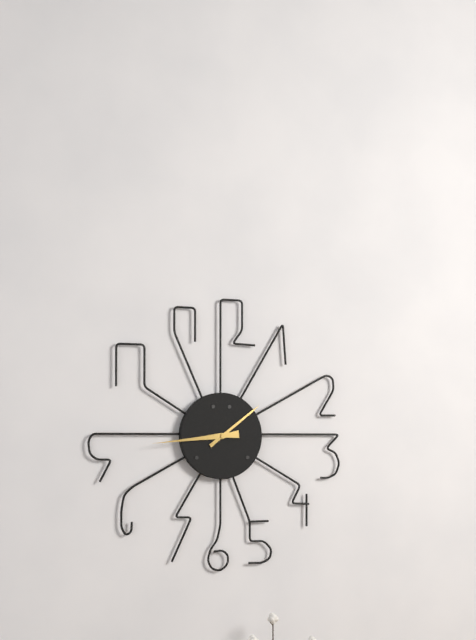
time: 1:44
